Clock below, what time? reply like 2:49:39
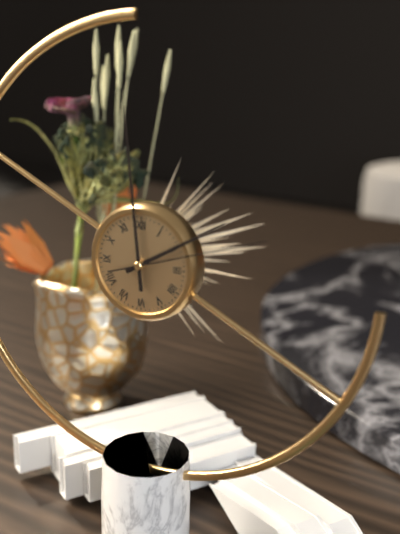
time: 1:59:12
